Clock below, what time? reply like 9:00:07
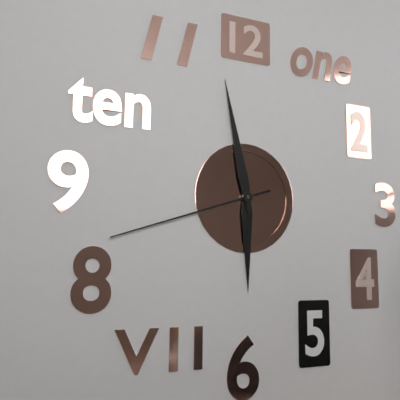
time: 5:58:42
